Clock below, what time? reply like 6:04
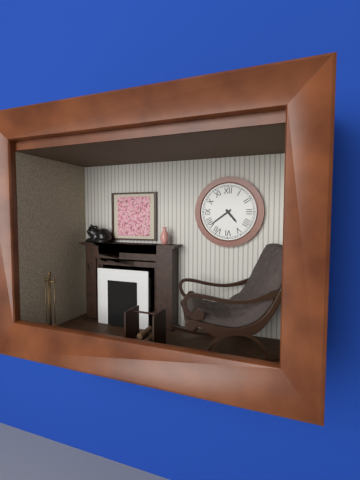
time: 4:39
